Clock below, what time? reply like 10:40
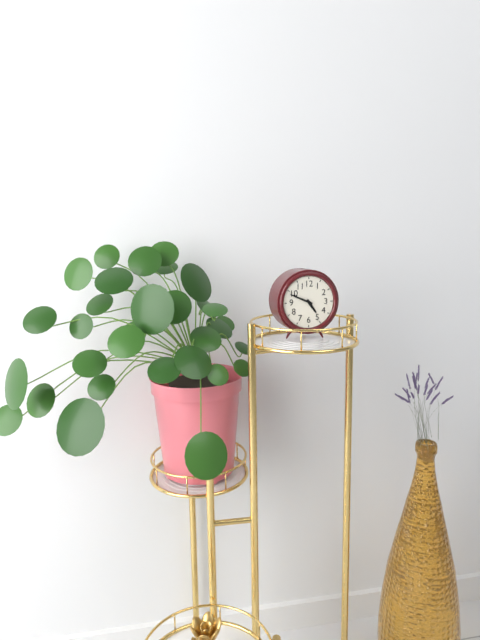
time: 4:49
